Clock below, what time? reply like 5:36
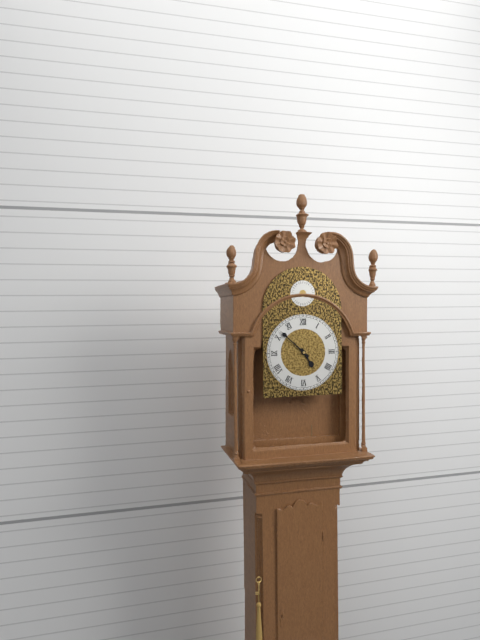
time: 4:52
